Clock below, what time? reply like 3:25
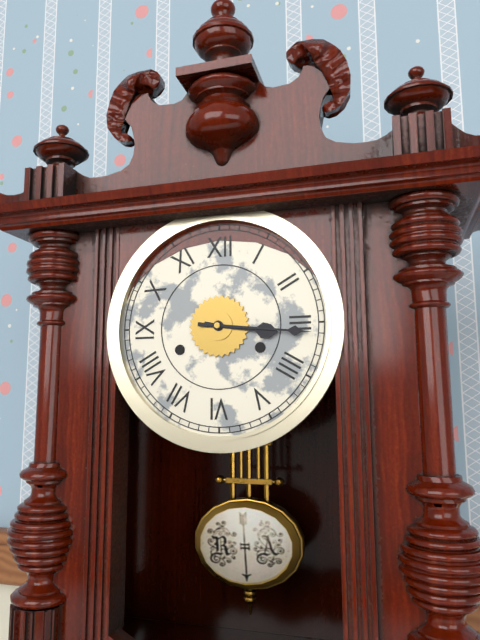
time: 3:16
